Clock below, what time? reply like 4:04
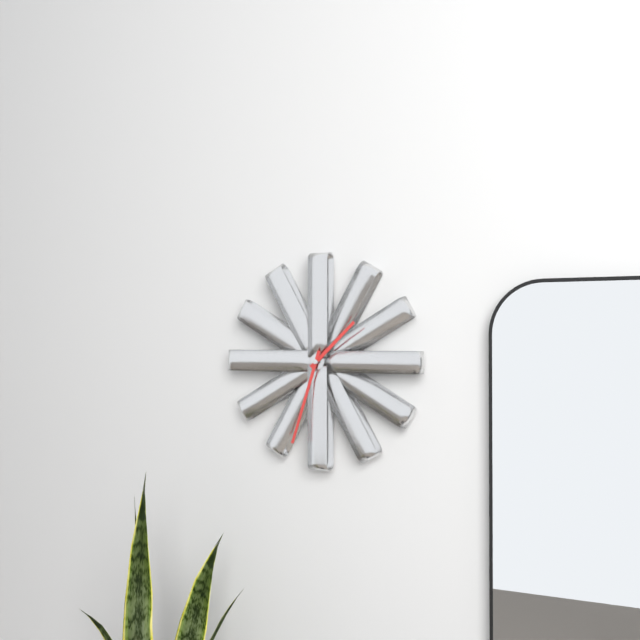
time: 1:33
